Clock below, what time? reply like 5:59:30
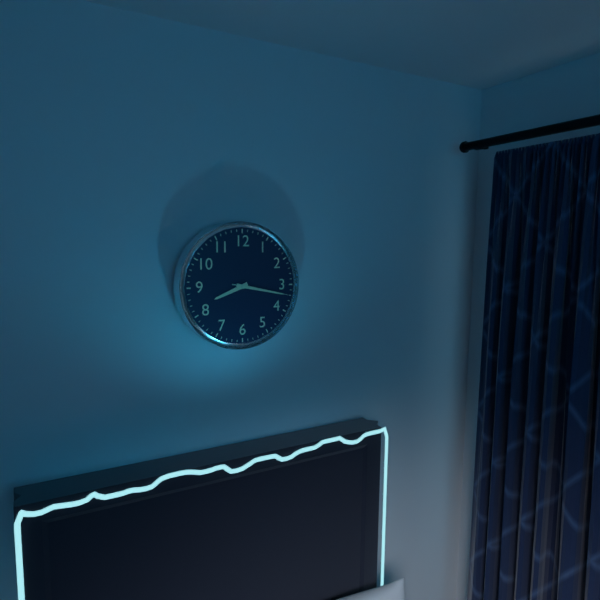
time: 8:17:17
